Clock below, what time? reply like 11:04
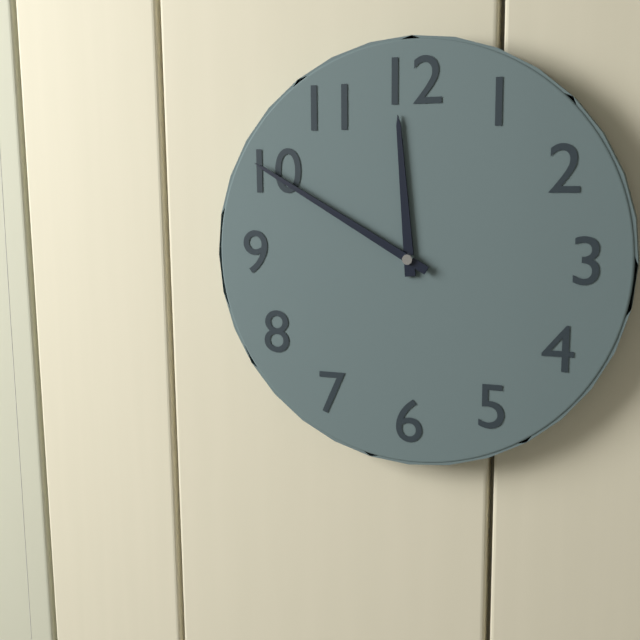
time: 11:50
